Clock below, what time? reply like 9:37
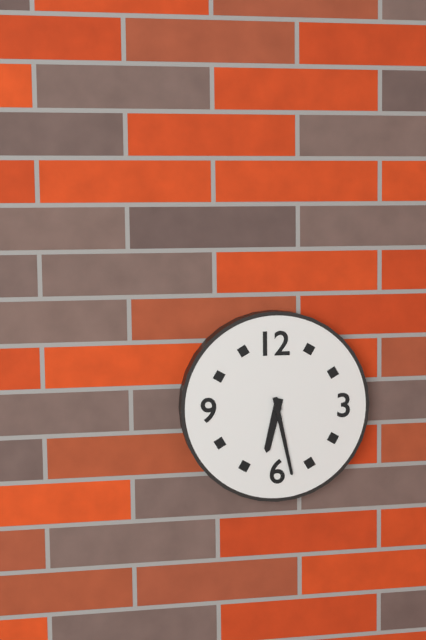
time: 6:28
